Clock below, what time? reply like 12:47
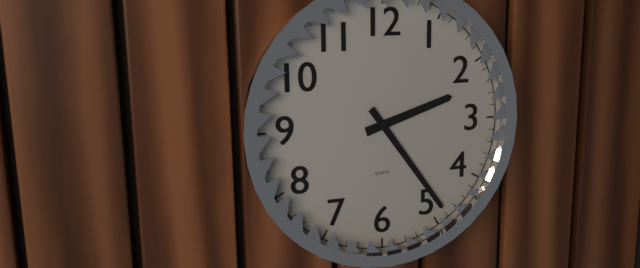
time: 2:24
